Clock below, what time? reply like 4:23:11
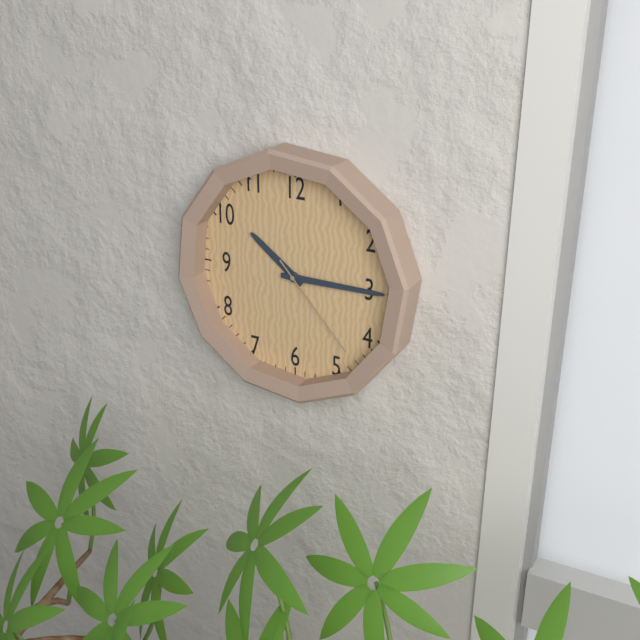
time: 10:15:23
